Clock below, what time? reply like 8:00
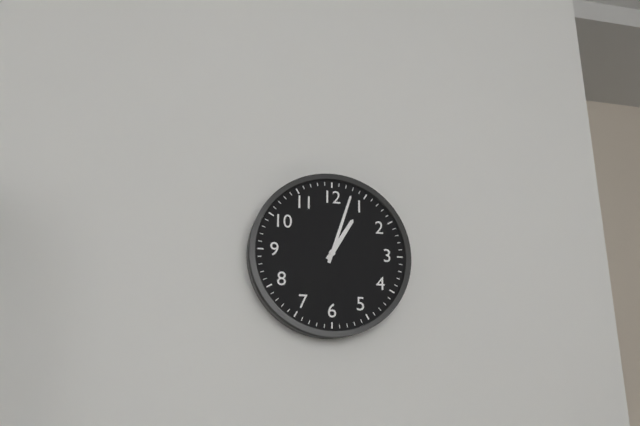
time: 1:03
